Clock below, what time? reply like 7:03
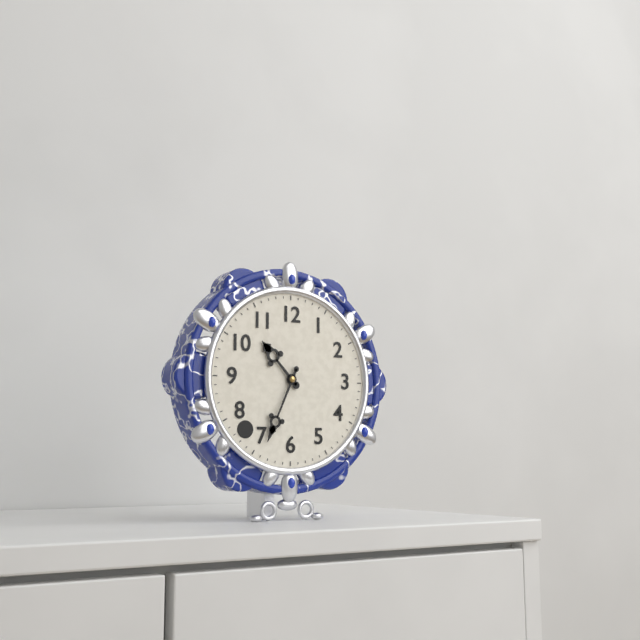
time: 10:34
